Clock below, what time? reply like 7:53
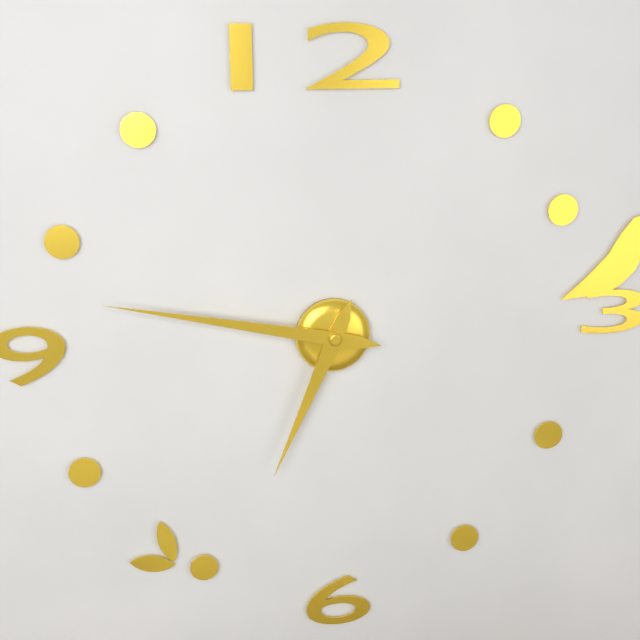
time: 6:47
